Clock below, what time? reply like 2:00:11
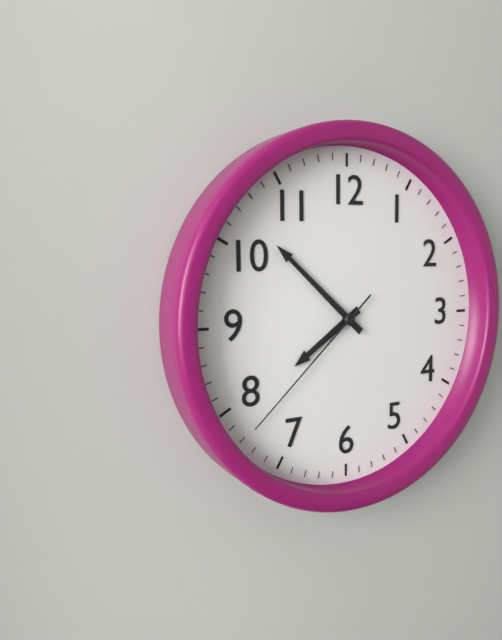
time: 7:52:38
